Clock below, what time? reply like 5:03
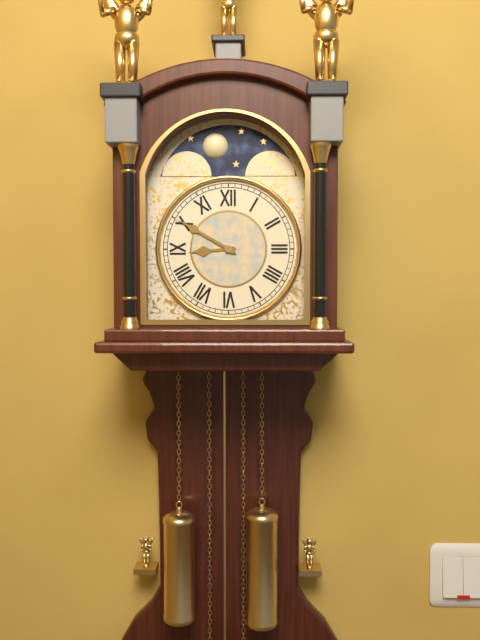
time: 8:50
